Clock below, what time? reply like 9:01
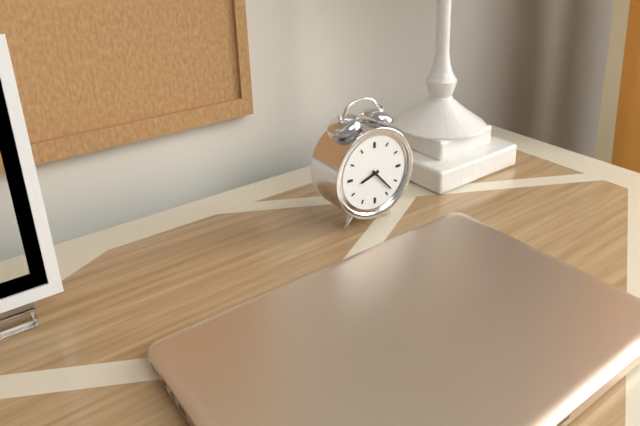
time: 8:23
